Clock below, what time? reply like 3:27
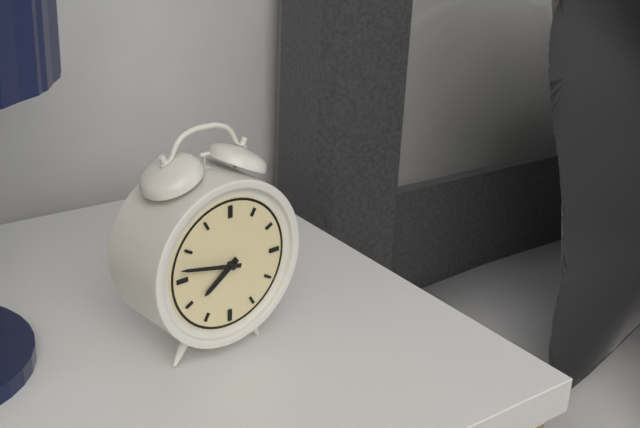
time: 7:47
